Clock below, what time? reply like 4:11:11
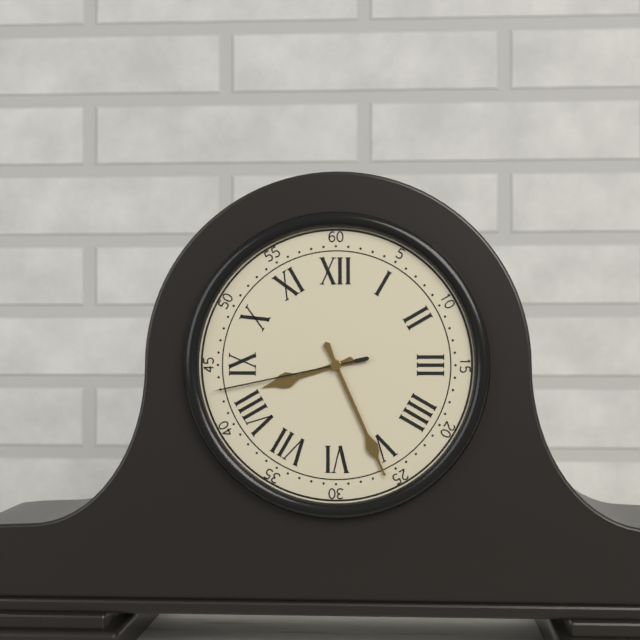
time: 8:26:43
